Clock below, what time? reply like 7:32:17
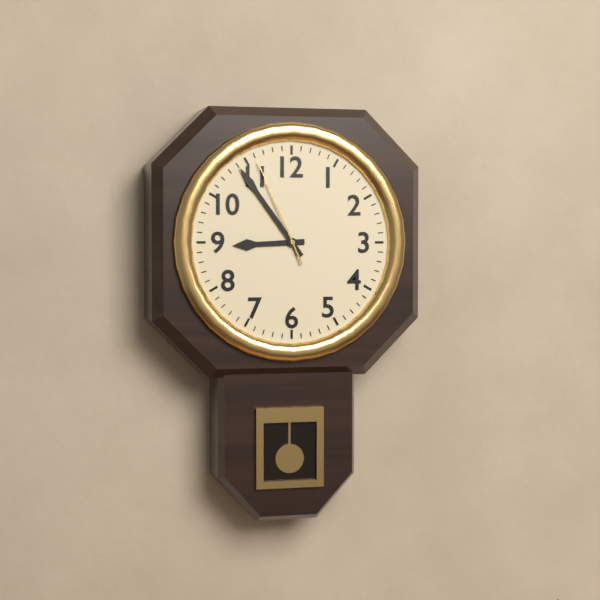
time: 8:54:56
